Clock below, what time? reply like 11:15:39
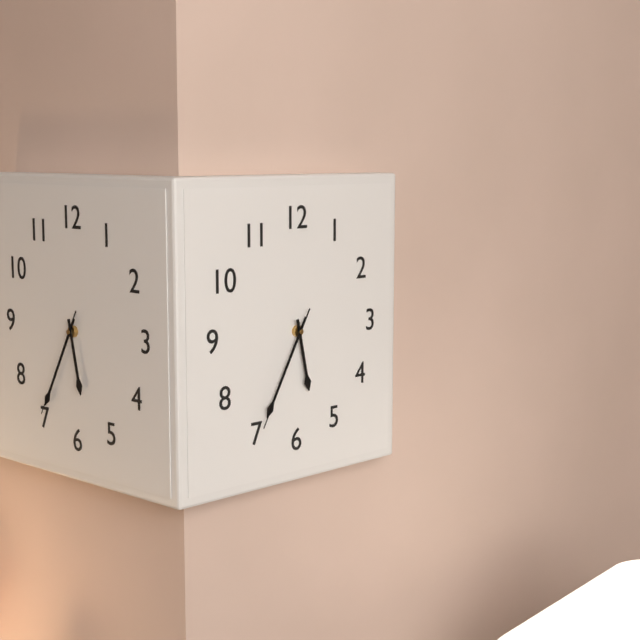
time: 5:35:35
